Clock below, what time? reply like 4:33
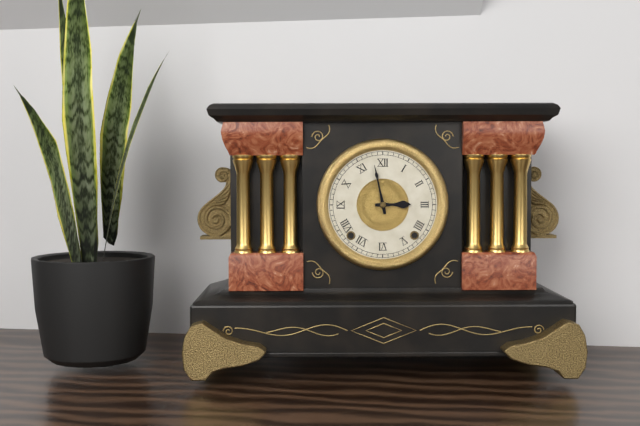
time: 2:58
